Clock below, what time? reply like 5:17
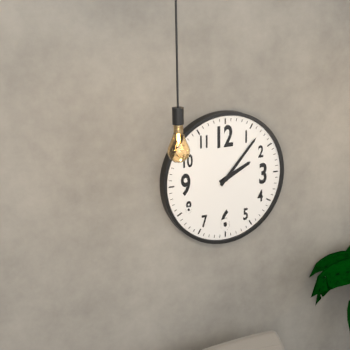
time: 2:07
